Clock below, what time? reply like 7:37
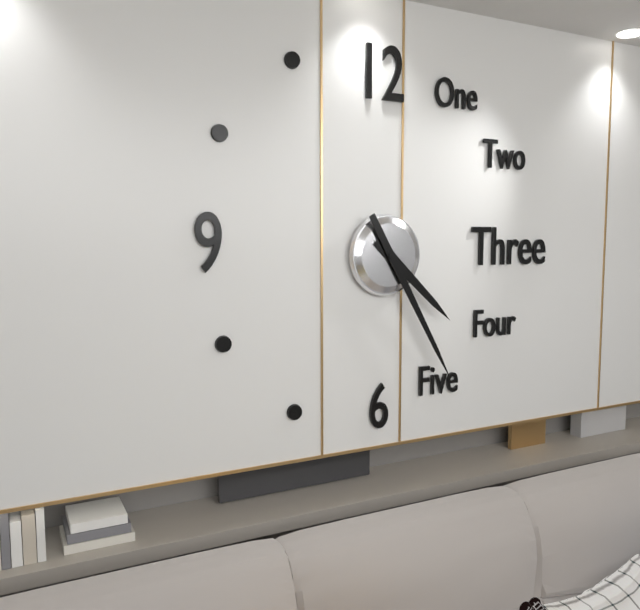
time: 4:25
